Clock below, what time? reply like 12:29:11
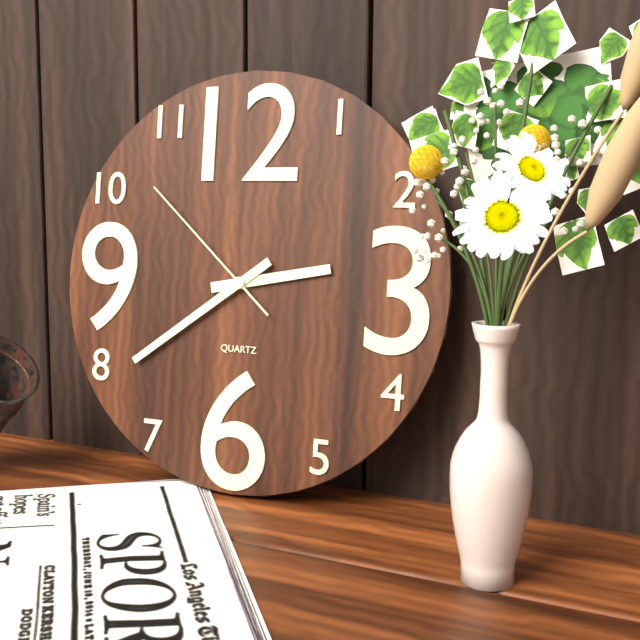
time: 2:39:52
